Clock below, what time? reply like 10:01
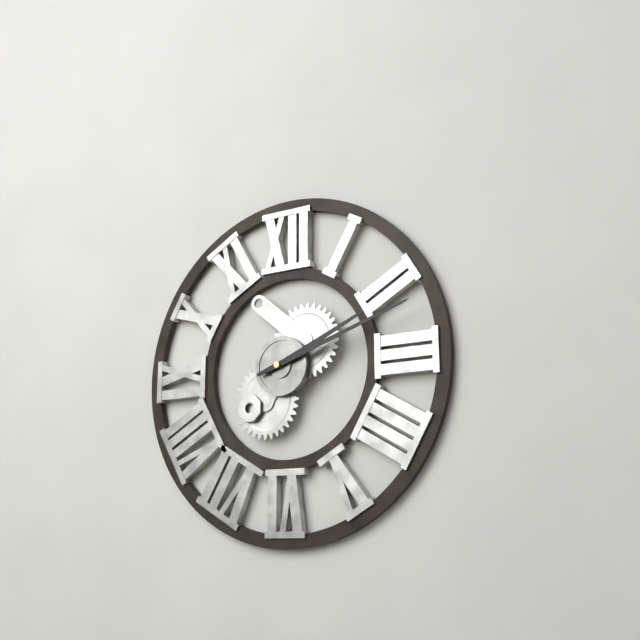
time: 2:12
